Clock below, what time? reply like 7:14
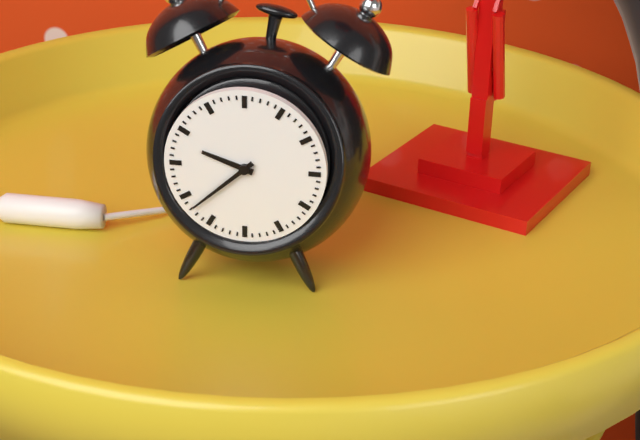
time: 9:38
